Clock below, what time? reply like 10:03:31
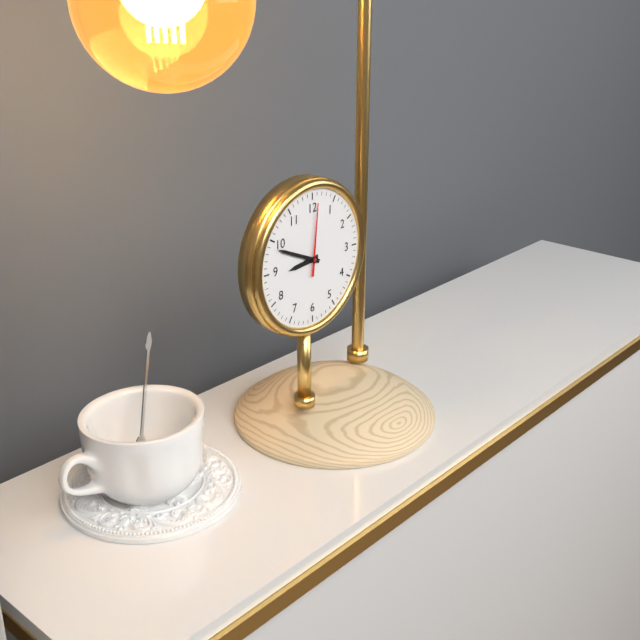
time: 8:49:01
